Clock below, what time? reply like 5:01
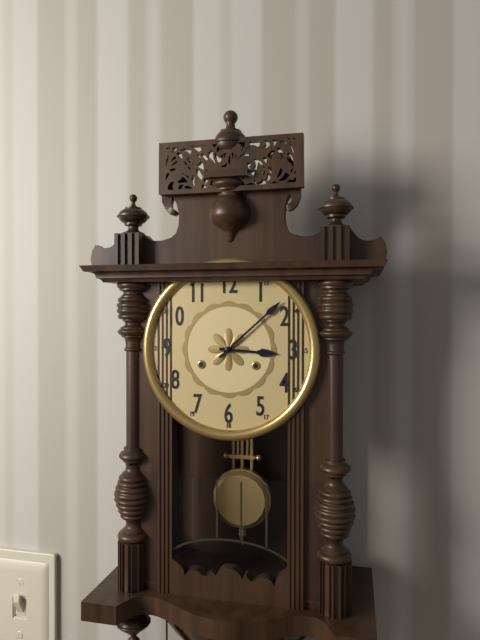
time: 3:08
